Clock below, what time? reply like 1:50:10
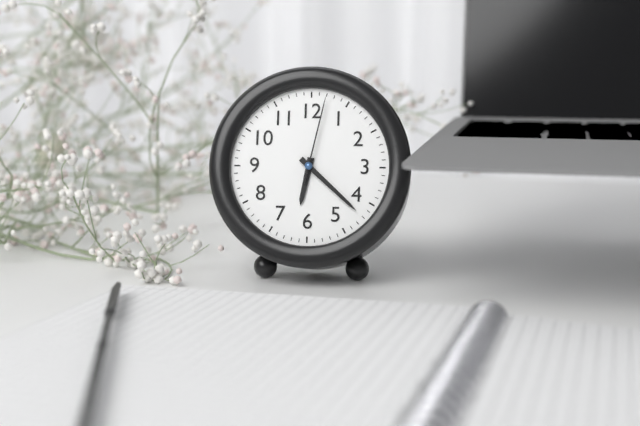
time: 6:22:02
